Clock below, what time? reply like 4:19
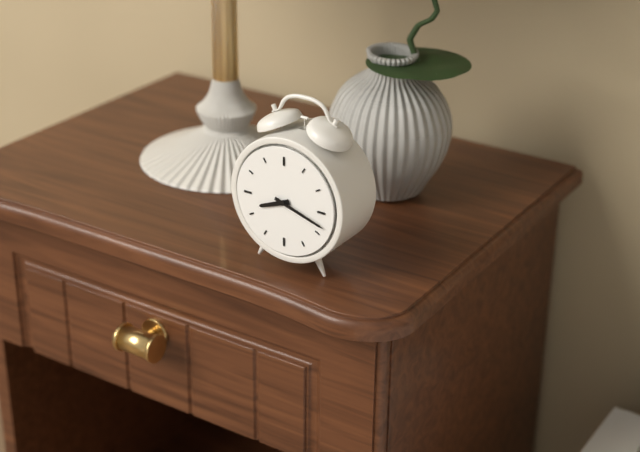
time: 8:18
